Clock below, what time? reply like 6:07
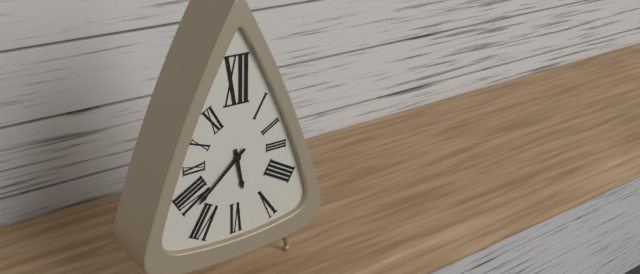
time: 5:38
